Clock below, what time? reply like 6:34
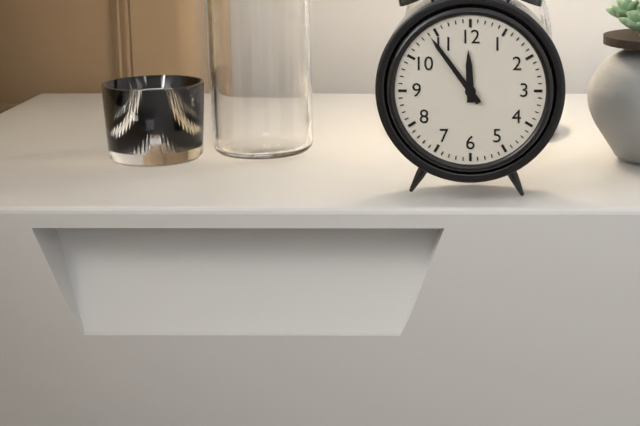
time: 11:54
